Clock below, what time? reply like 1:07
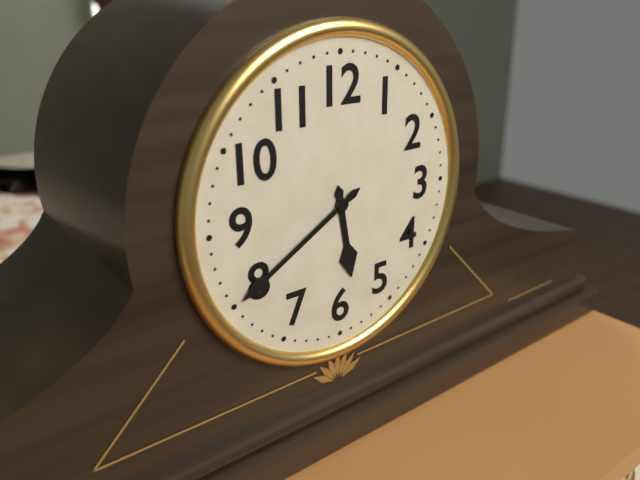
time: 5:40
